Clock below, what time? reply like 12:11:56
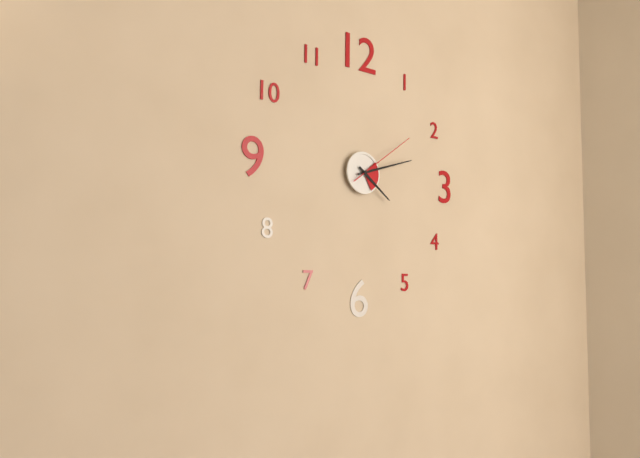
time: 4:12:09
